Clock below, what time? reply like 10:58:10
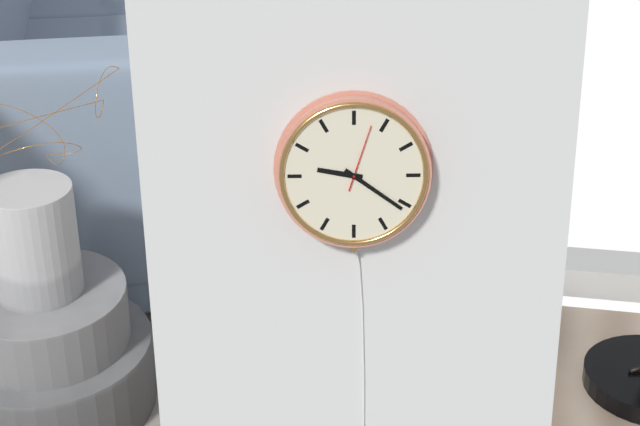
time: 9:21:03
